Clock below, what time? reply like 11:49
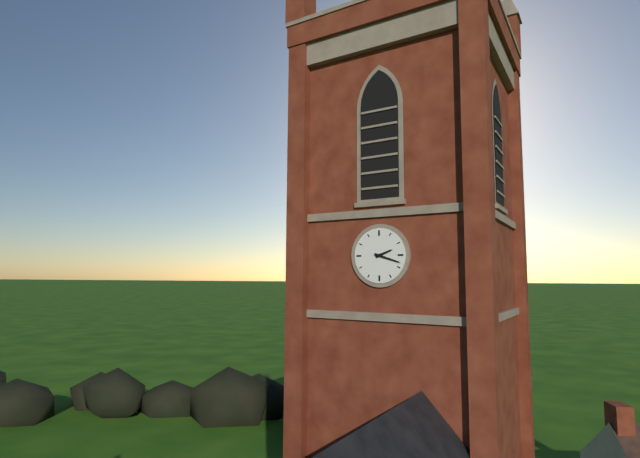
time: 2:18
